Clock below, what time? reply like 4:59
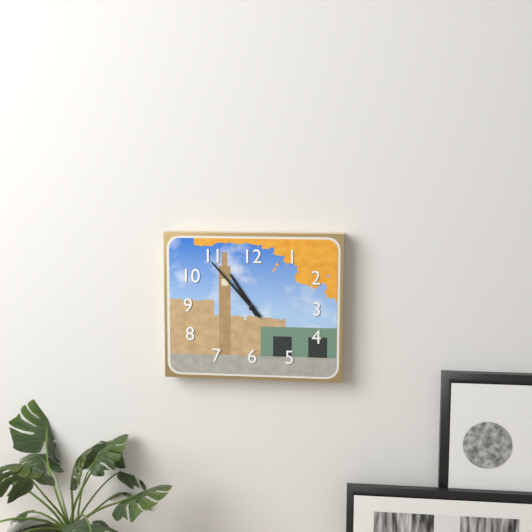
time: 10:53
